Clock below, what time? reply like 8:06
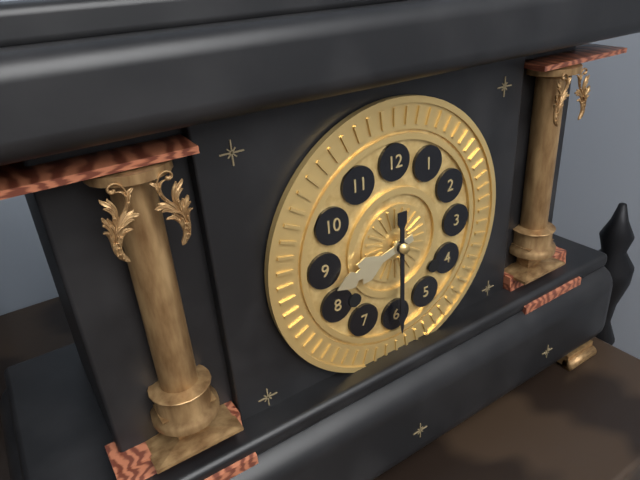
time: 8:30
